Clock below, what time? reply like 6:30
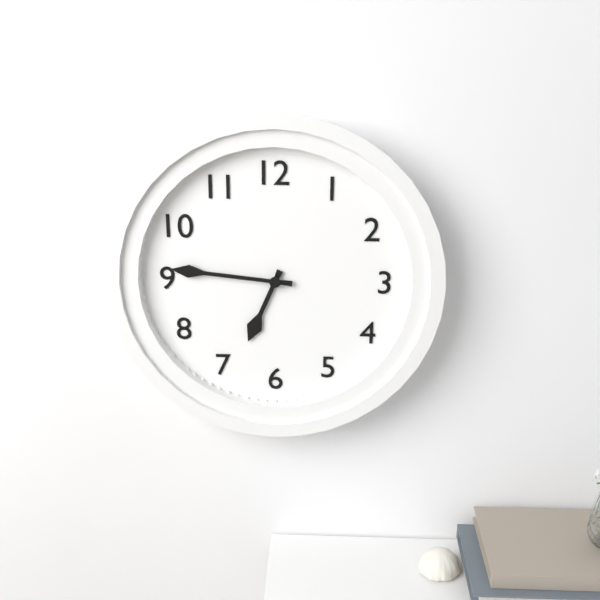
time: 6:46
